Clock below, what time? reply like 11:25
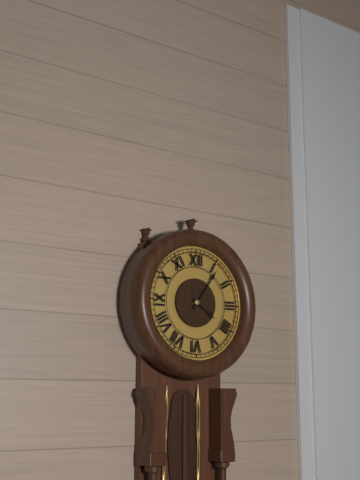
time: 4:06
